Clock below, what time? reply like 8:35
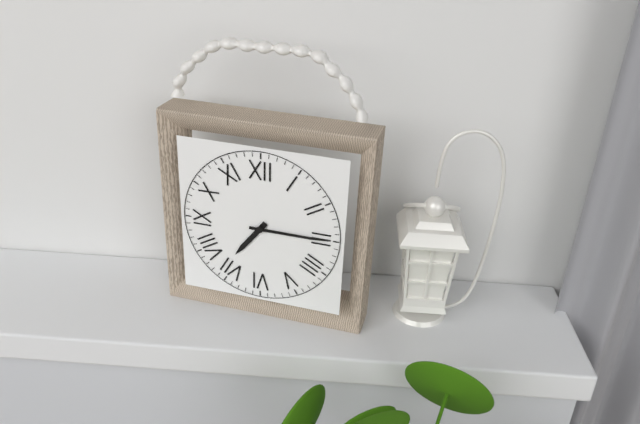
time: 7:15
